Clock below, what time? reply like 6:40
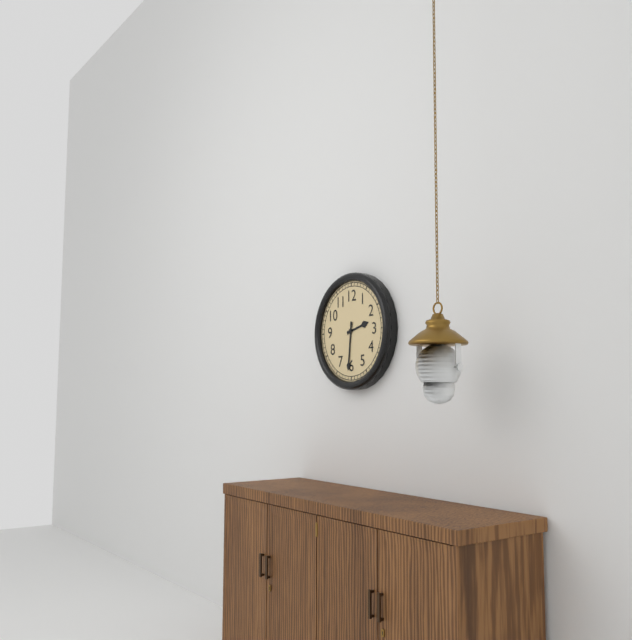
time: 2:31
